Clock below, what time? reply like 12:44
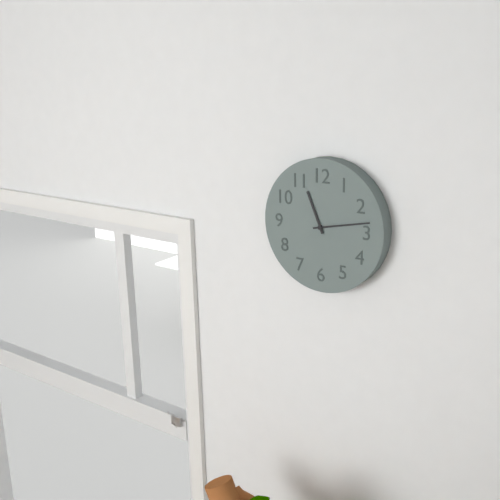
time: 11:13
